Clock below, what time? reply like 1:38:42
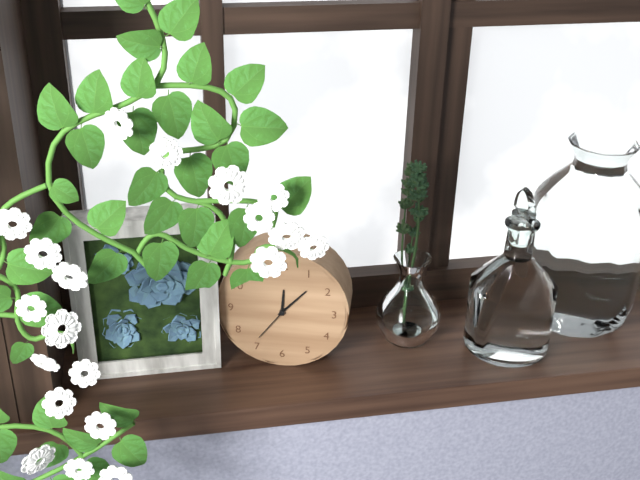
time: 12:07:36
